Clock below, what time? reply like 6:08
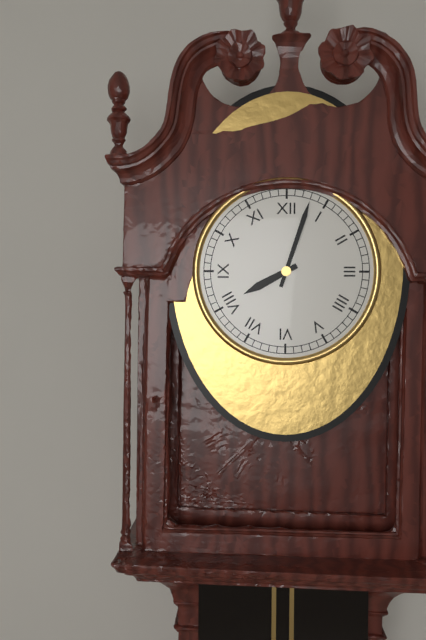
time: 8:03
